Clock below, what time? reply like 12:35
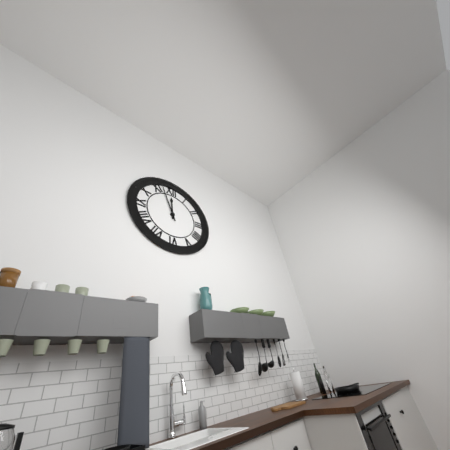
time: 11:57
